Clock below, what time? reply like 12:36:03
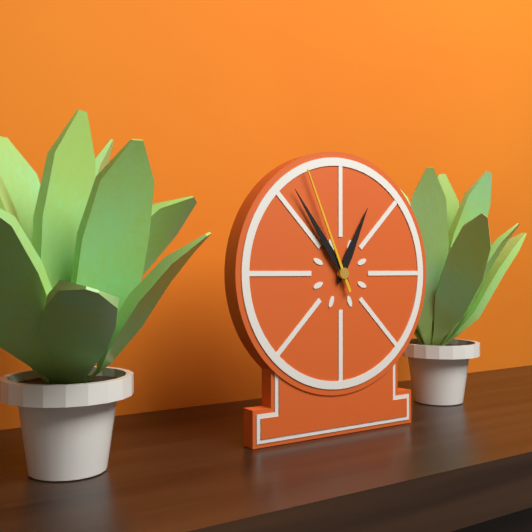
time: 12:54:56
